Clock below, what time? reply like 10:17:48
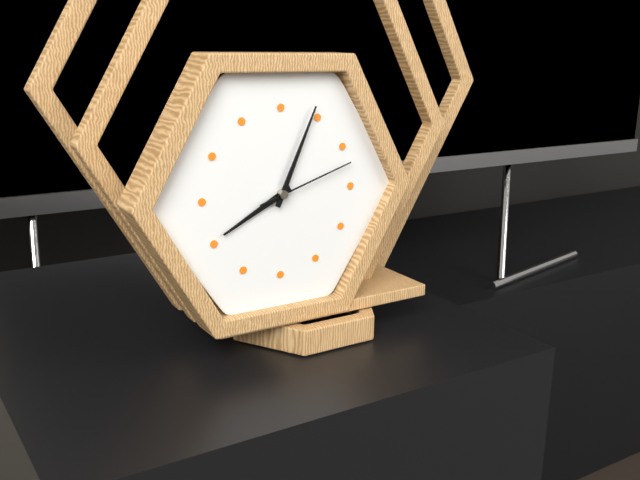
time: 8:04:12
